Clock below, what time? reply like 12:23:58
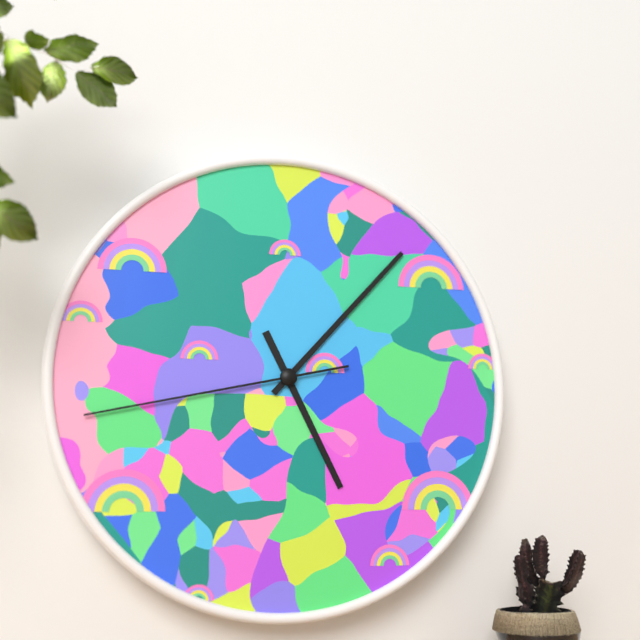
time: 5:07:43
